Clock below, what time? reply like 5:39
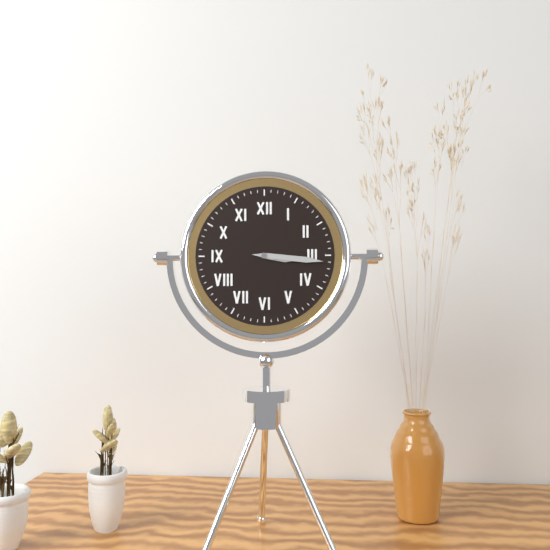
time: 3:16
